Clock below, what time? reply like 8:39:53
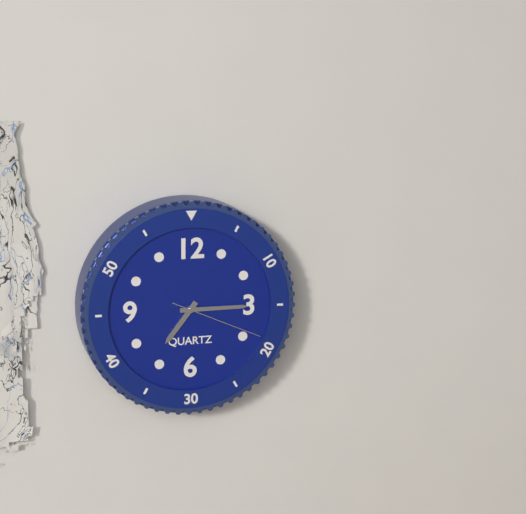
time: 7:15:19
